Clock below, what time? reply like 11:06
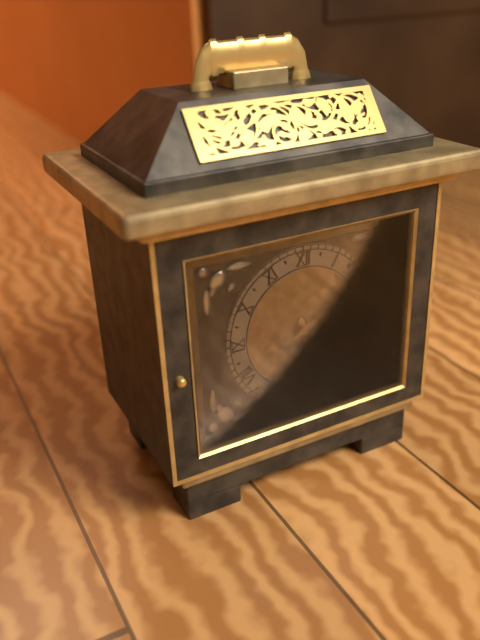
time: 5:10
